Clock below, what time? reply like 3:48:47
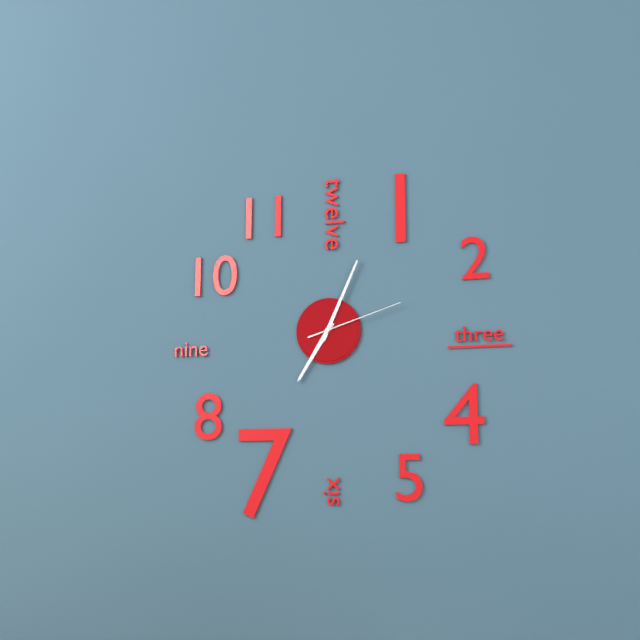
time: 7:04:12
